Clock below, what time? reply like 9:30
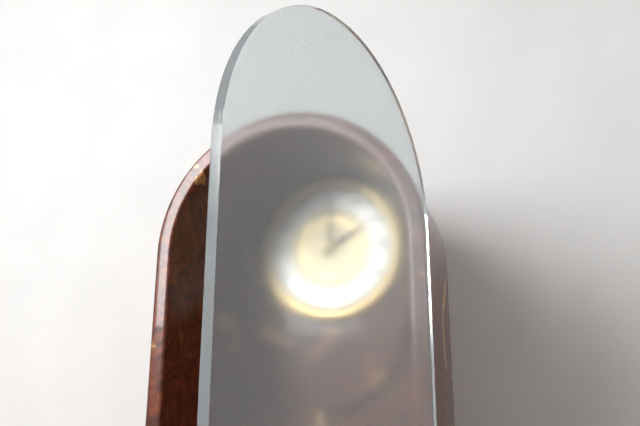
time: 2:00
